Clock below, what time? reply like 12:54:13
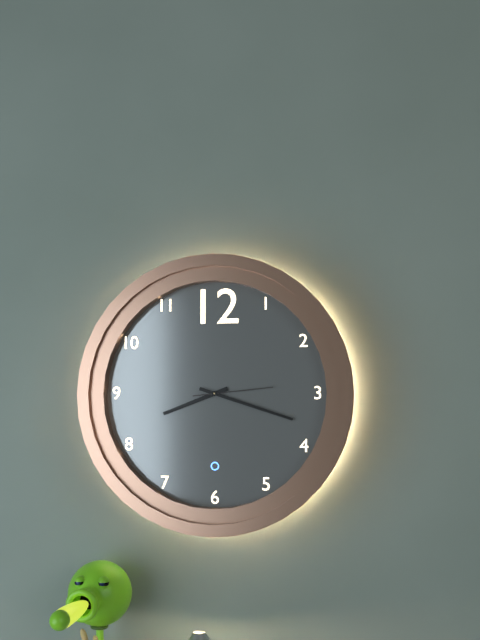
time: 8:18:14
